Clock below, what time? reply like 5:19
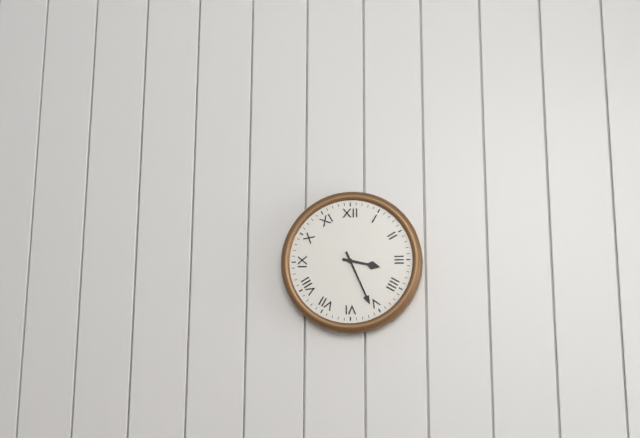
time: 3:26
